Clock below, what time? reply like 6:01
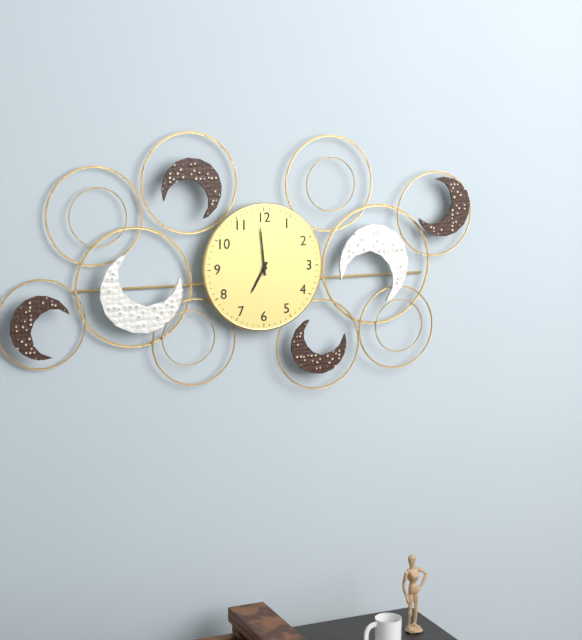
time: 6:59
